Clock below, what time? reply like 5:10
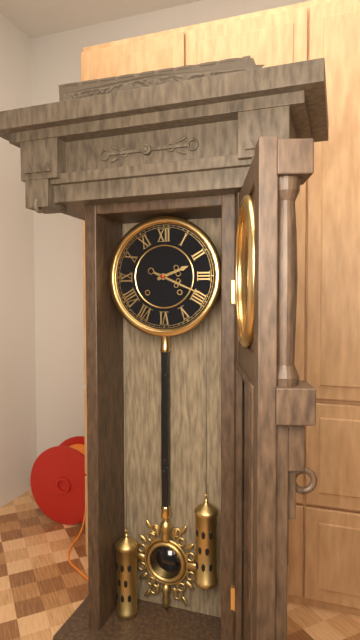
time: 2:19
